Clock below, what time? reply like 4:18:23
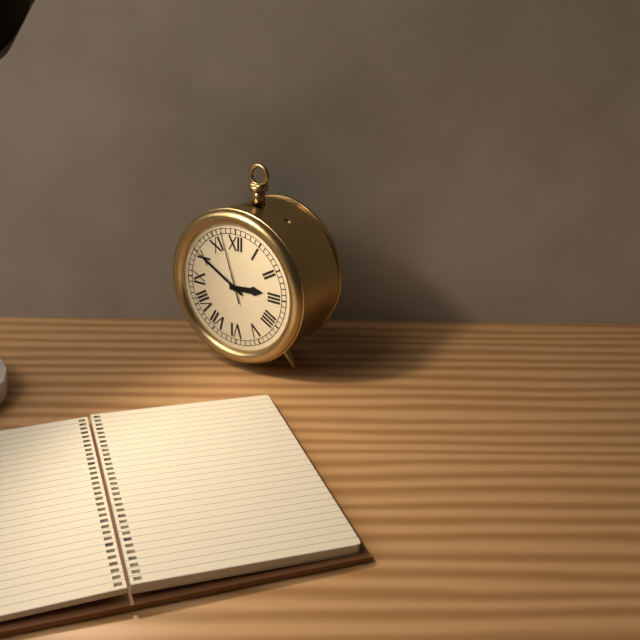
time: 2:50:57
